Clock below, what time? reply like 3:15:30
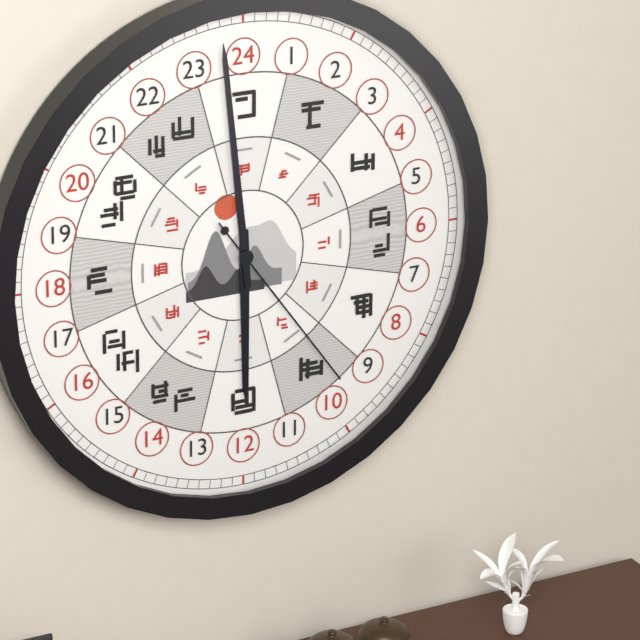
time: 5:59:24
